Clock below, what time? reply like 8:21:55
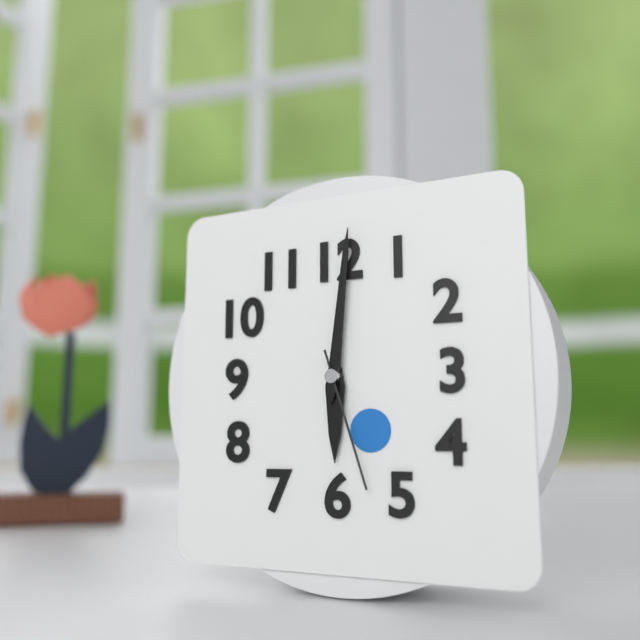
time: 6:01:27
